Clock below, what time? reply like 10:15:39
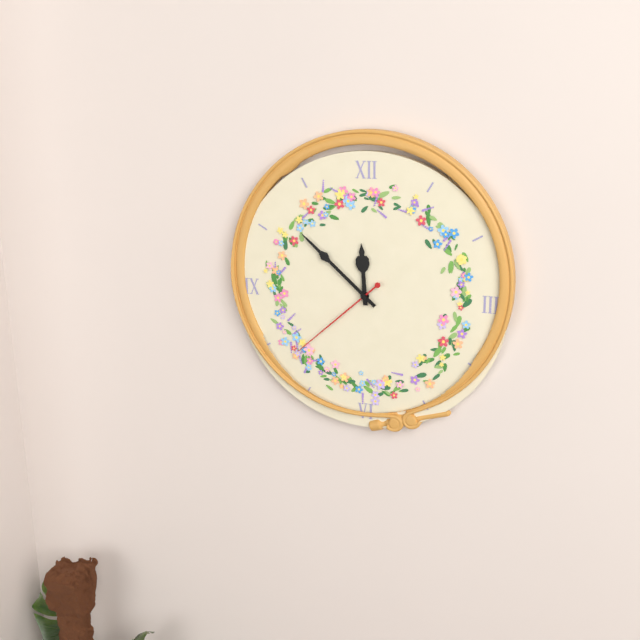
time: 11:52:38
